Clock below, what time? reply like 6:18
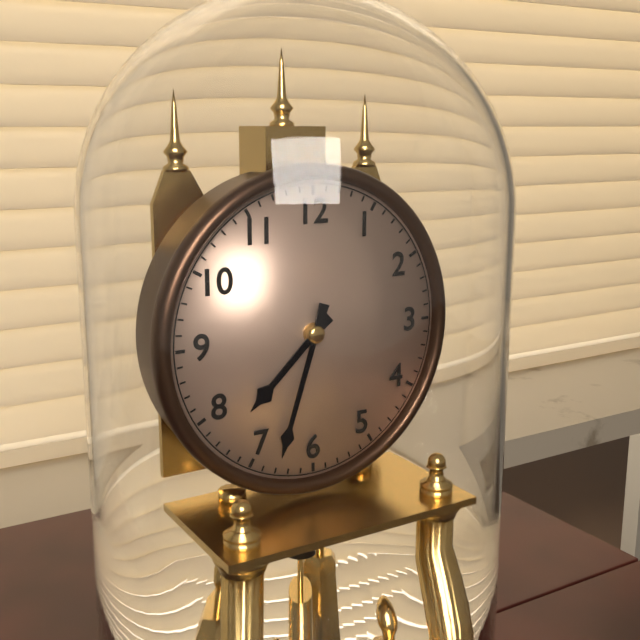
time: 7:33
